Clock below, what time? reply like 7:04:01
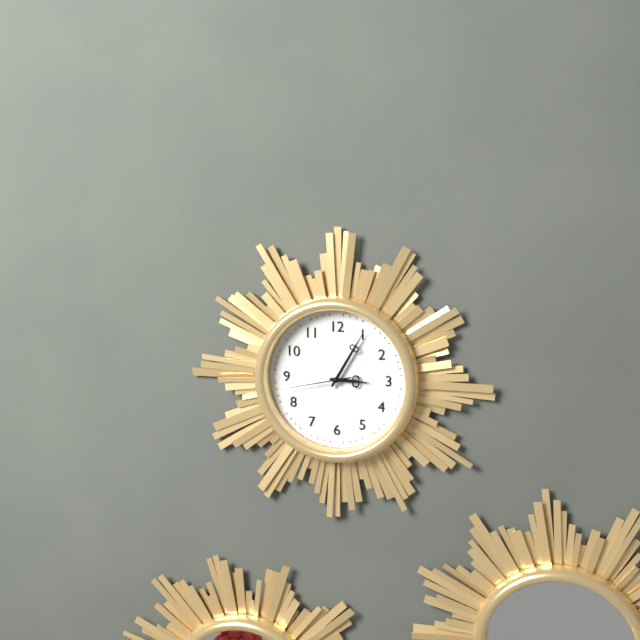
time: 3:05:43
